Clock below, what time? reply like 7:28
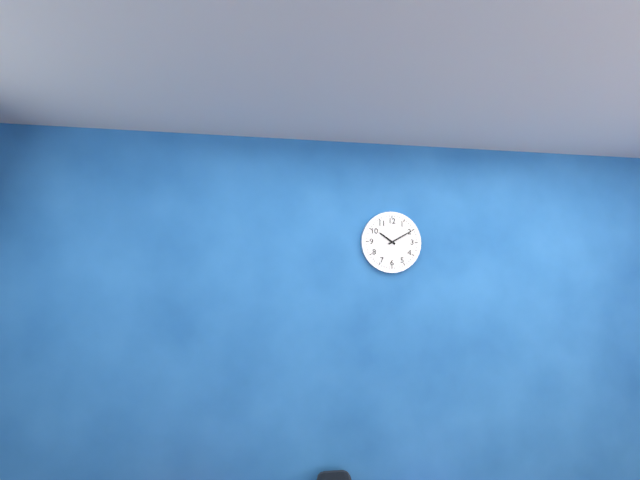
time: 10:10
